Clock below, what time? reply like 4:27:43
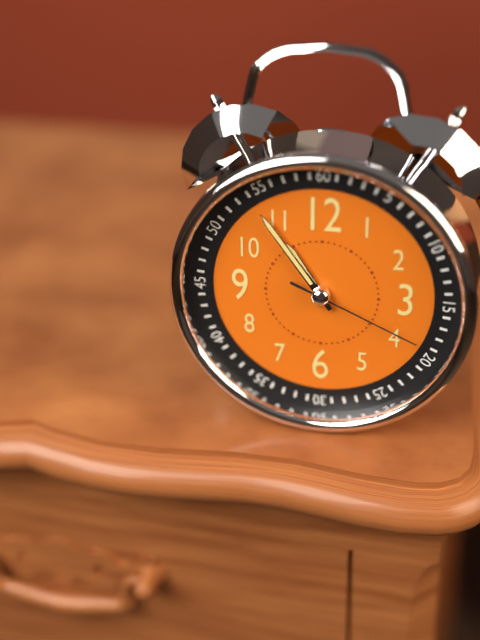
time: 10:54:19
